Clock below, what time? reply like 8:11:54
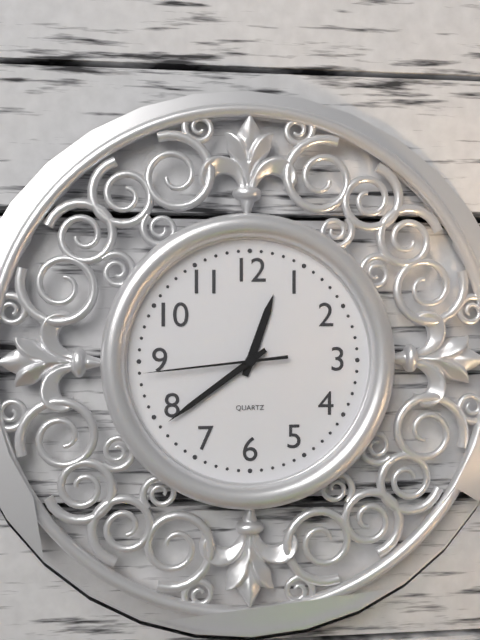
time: 12:39:44
